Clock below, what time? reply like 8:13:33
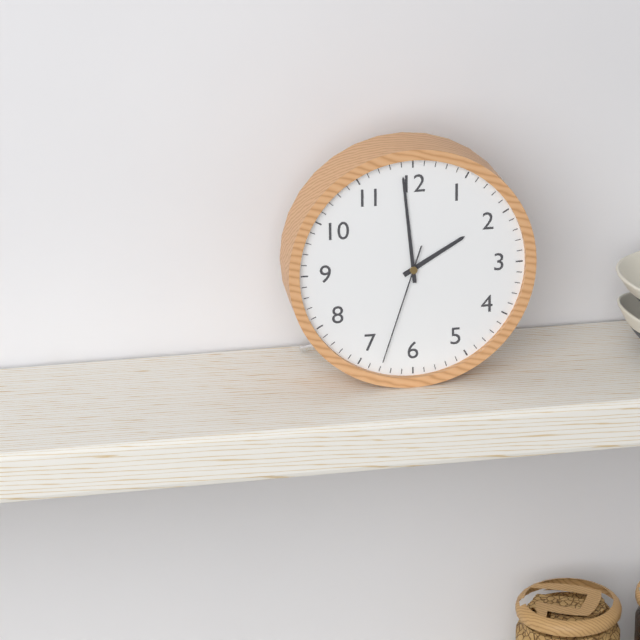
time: 1:59:33
